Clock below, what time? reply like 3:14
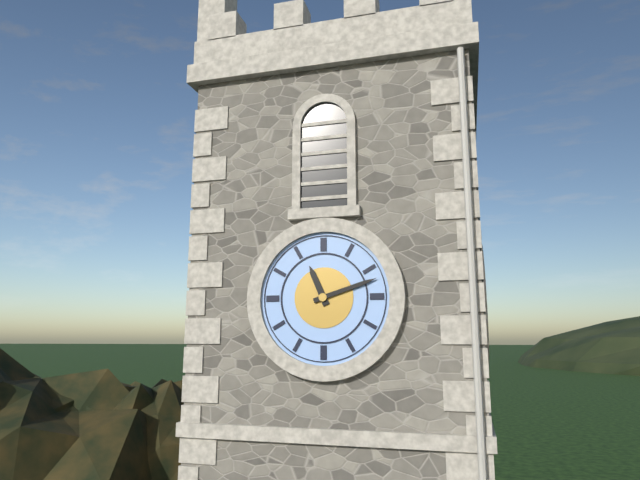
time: 11:12
